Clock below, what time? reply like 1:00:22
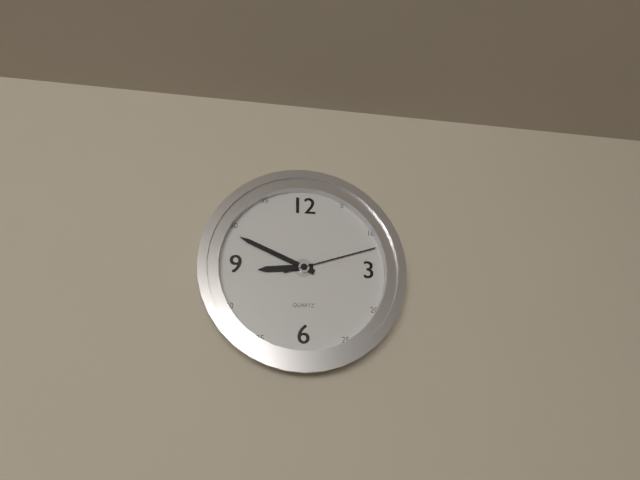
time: 8:49:12
